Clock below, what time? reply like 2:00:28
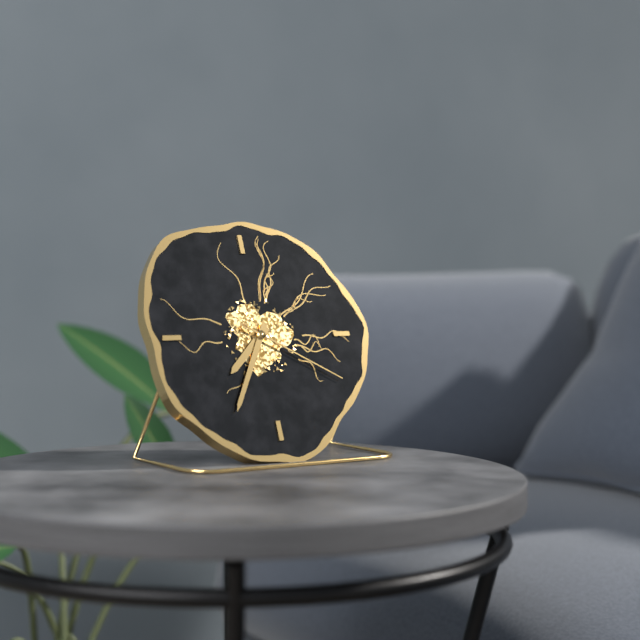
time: 7:35:20
